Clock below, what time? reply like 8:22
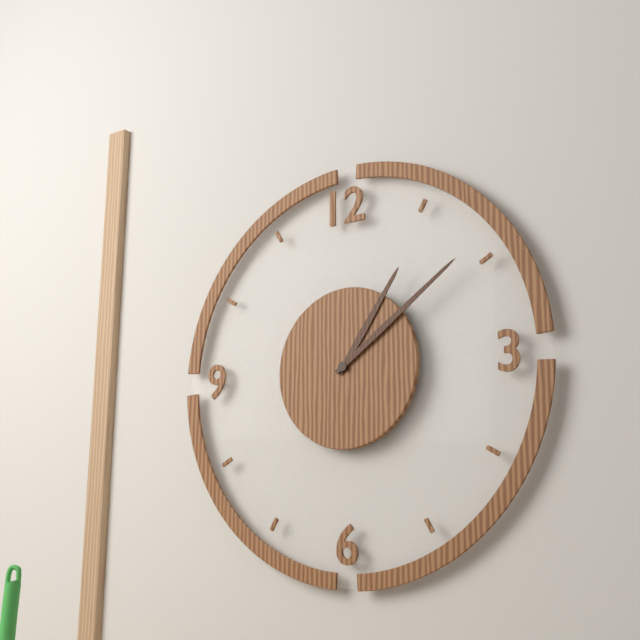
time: 1:09
